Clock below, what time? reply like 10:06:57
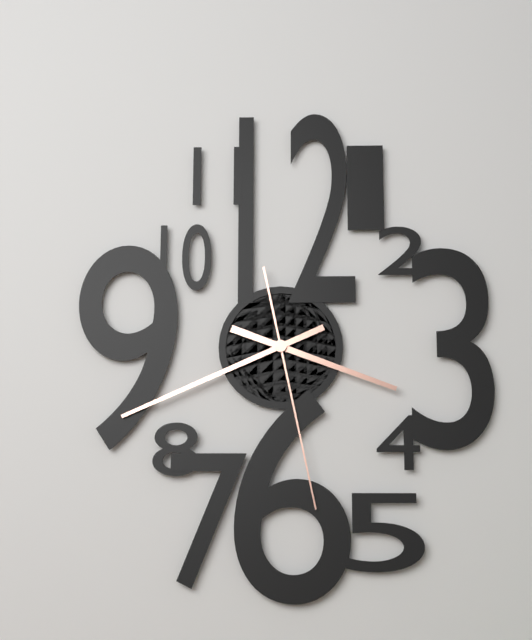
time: 3:41:28
